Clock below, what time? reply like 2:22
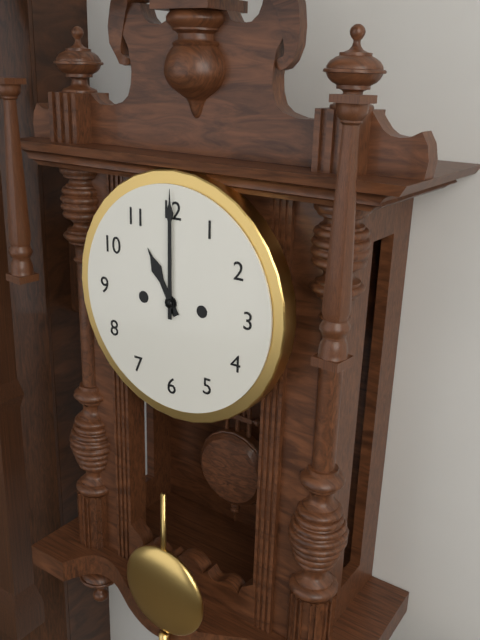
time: 11:00
